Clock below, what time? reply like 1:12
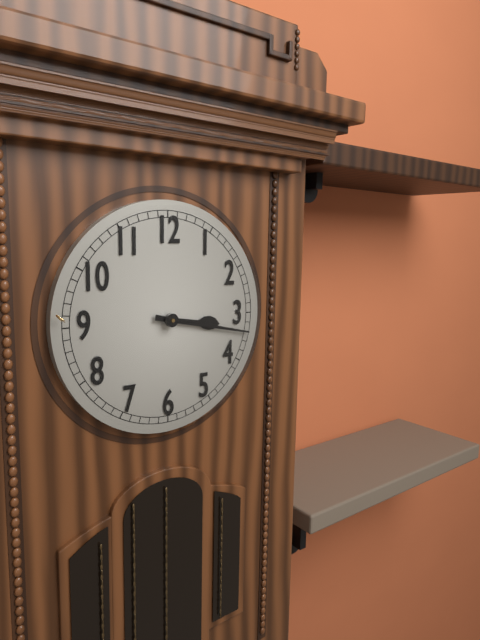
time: 3:17
